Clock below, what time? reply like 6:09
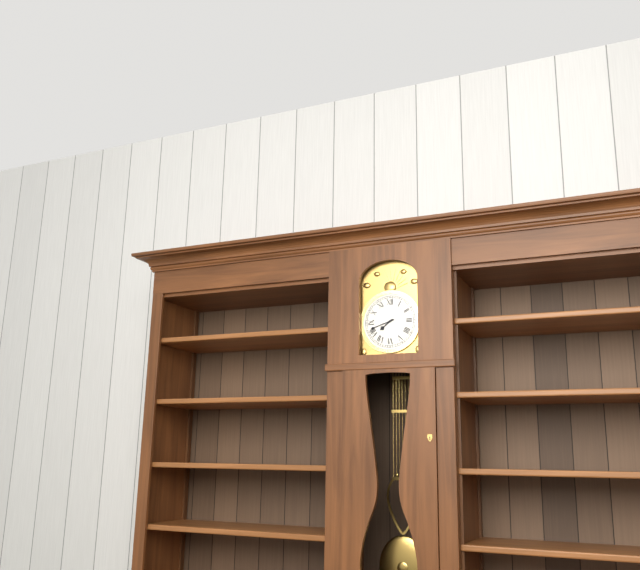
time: 7:42
